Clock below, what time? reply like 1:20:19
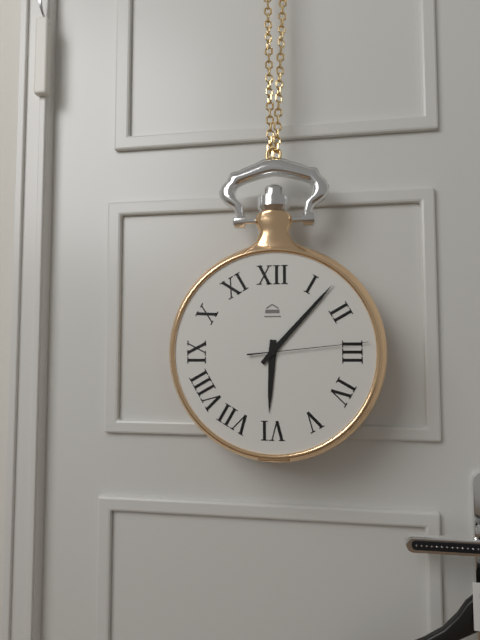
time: 6:07:14
